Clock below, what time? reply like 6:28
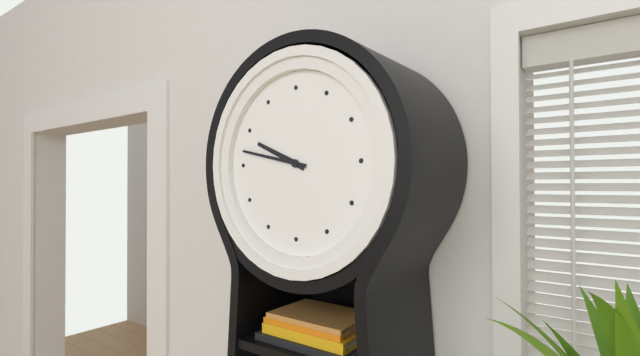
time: 9:47
